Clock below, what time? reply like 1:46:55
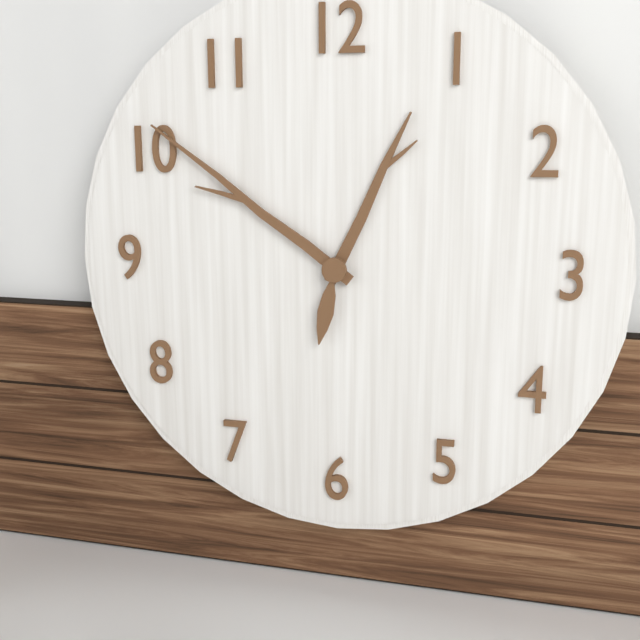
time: 12:51:32
